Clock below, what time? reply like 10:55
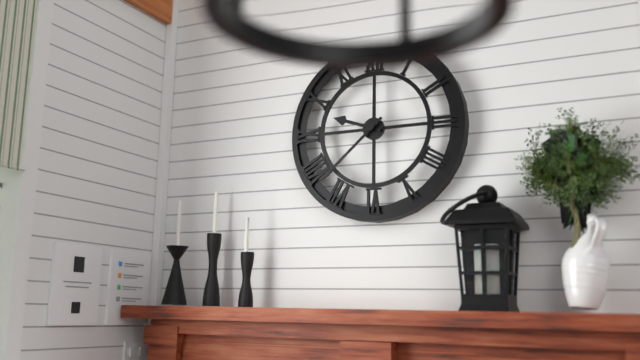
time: 9:38
